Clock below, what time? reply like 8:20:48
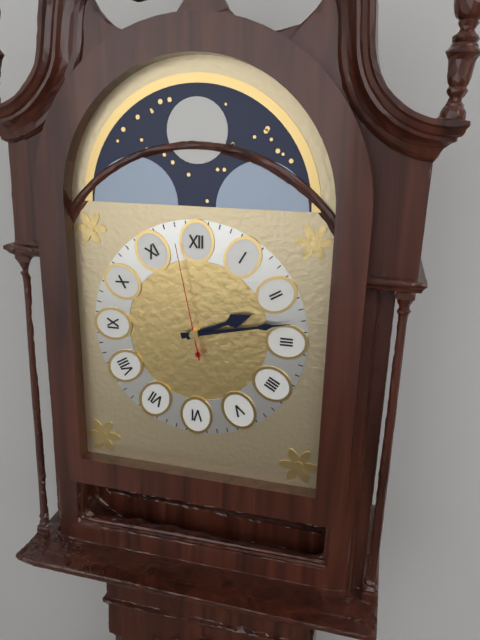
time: 2:13:58
